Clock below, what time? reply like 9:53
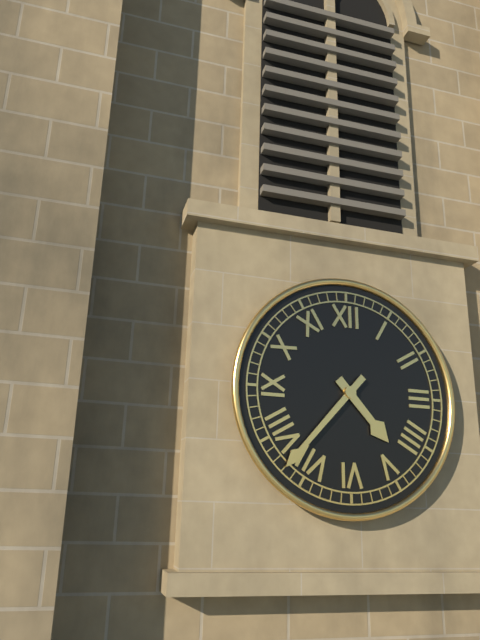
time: 4:37
